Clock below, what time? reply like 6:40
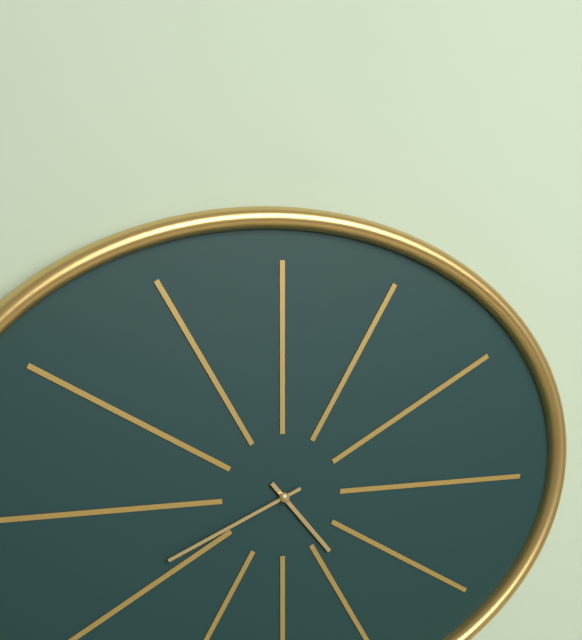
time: 4:41
